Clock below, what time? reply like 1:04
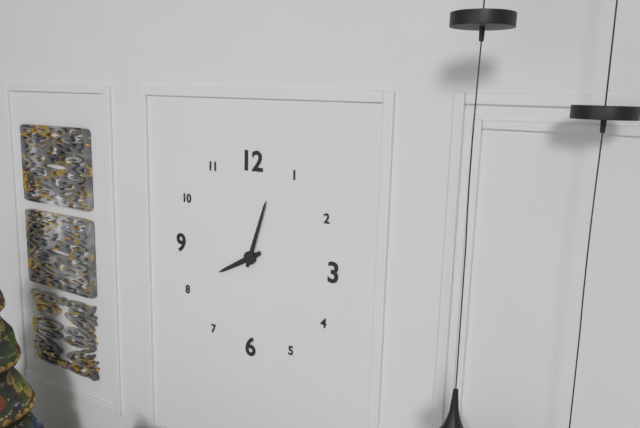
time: 8:03
